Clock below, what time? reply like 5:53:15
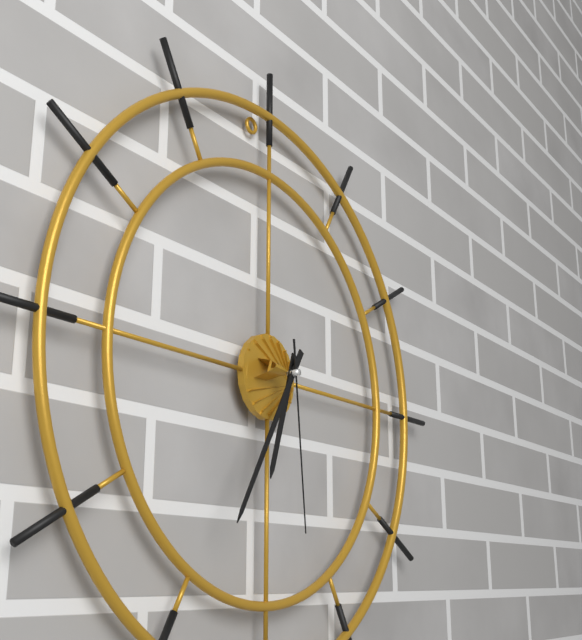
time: 6:35:29
